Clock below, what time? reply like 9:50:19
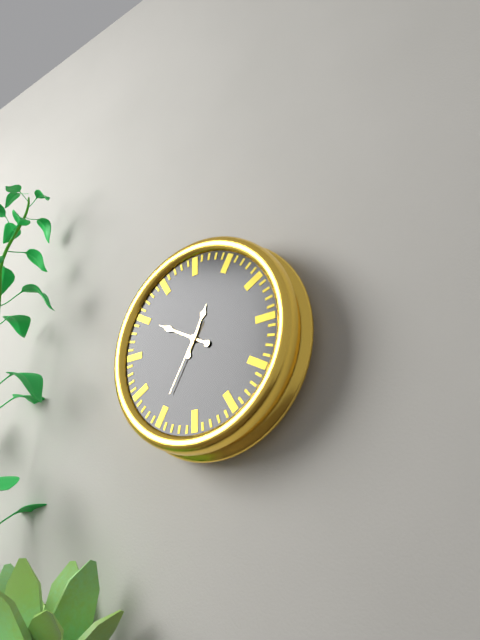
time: 12:50:35
